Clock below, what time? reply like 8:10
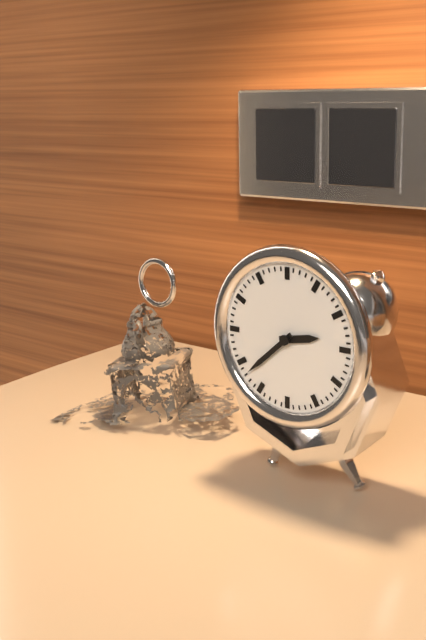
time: 2:38
